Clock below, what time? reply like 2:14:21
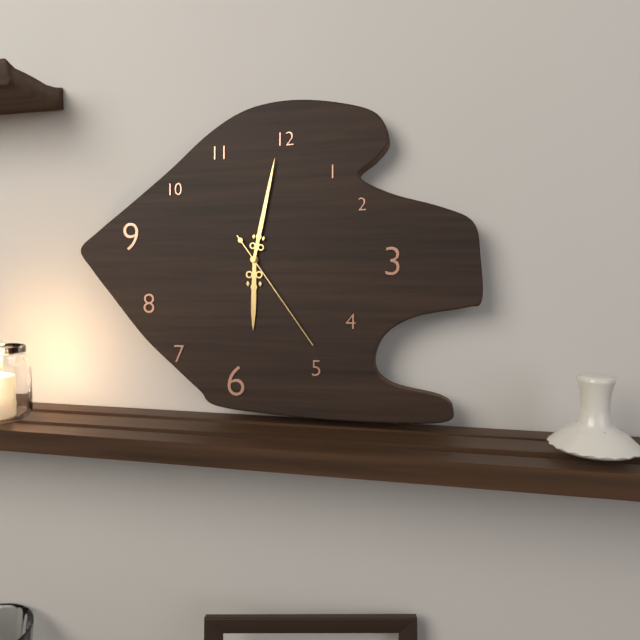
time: 6:02:24
